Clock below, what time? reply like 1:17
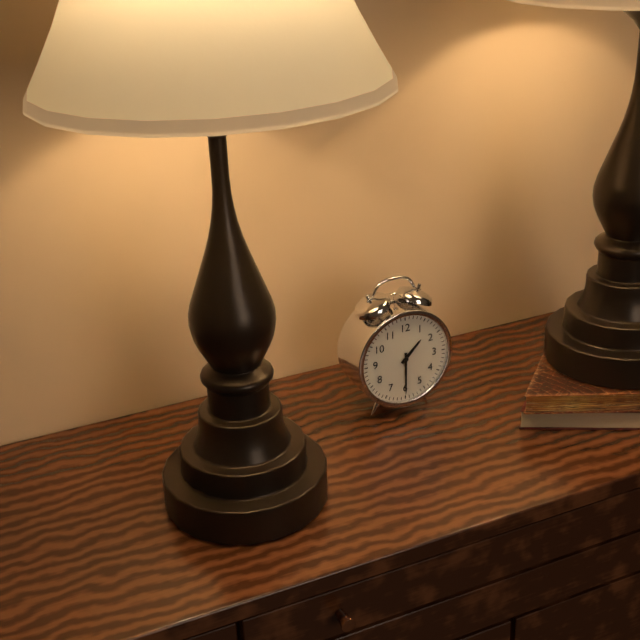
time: 1:30
